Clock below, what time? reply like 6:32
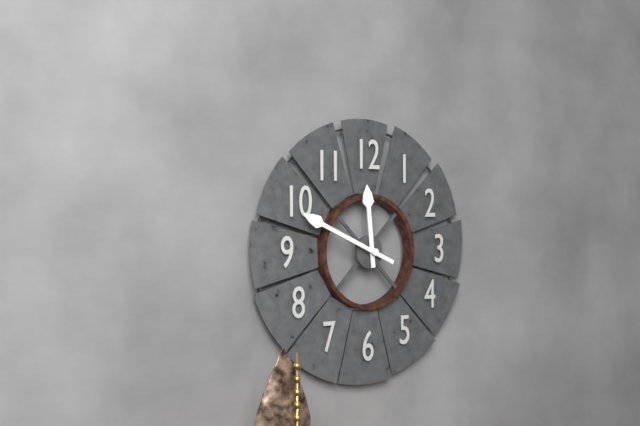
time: 11:49
